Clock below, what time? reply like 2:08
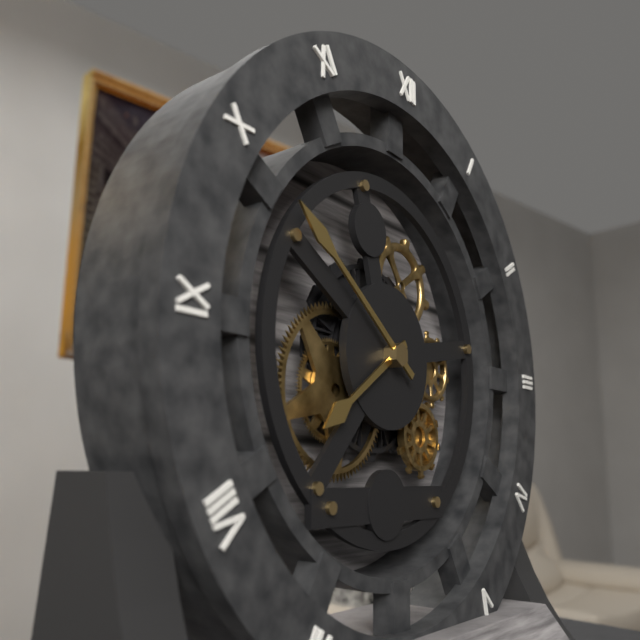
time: 7:51
